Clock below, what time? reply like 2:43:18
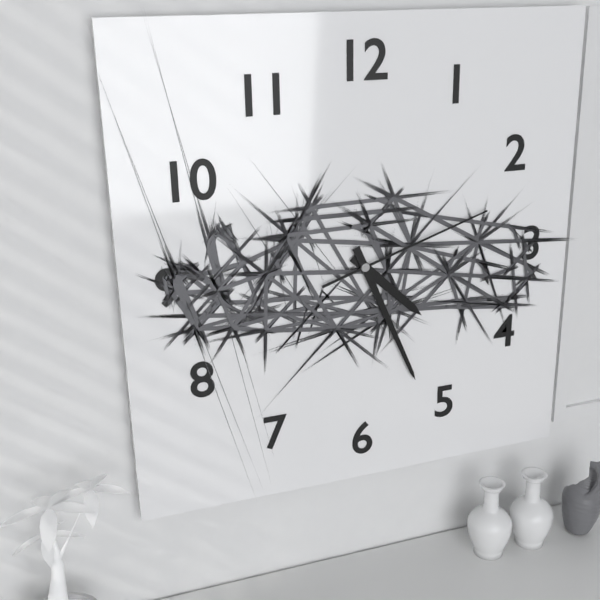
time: 4:26:12
